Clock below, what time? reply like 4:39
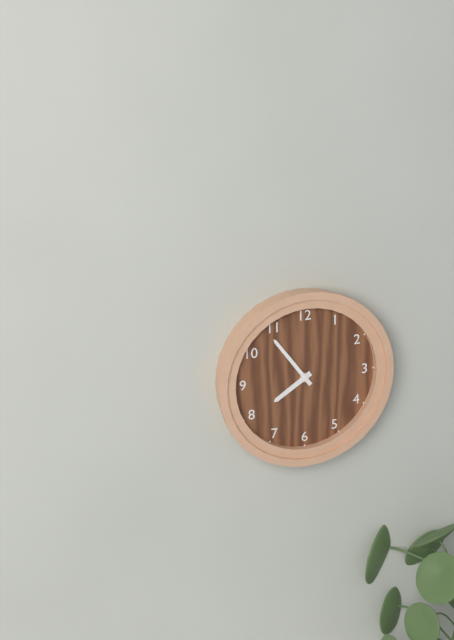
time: 7:54
